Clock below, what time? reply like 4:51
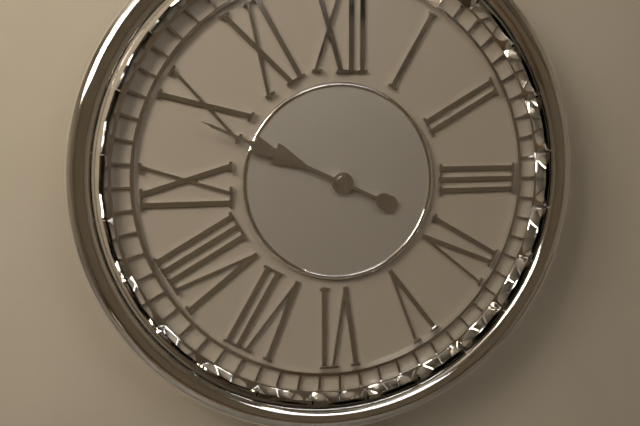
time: 9:49
